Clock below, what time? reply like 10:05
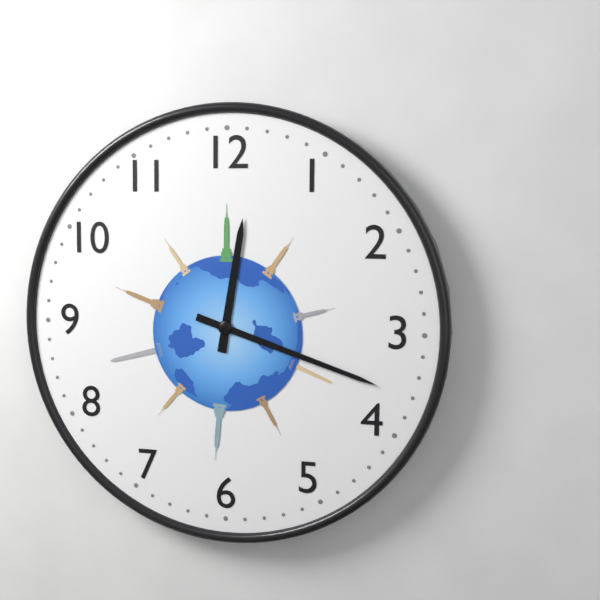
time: 12:18
